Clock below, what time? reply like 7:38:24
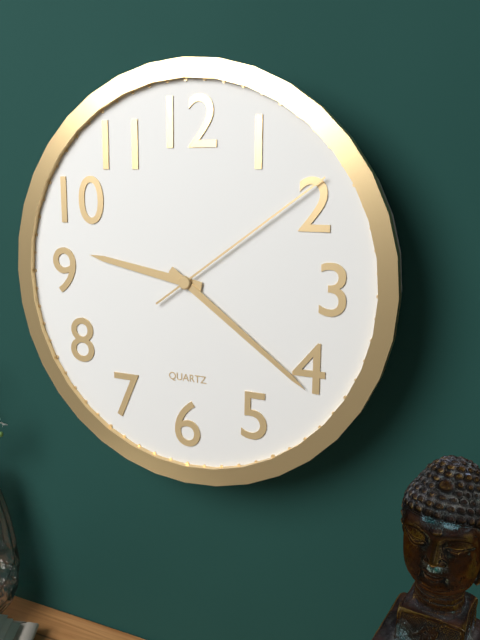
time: 9:21:09
